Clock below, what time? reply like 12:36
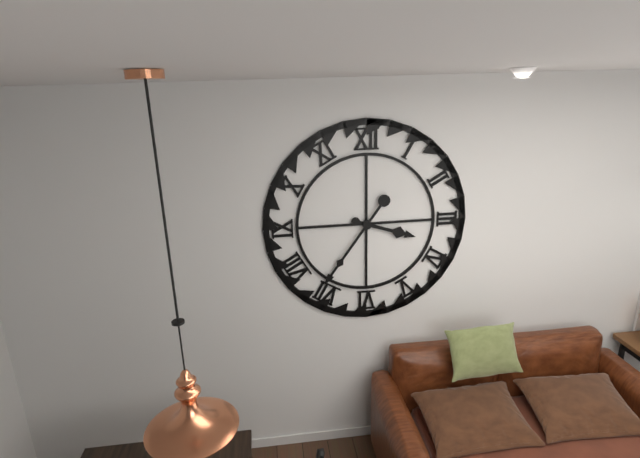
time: 3:36
